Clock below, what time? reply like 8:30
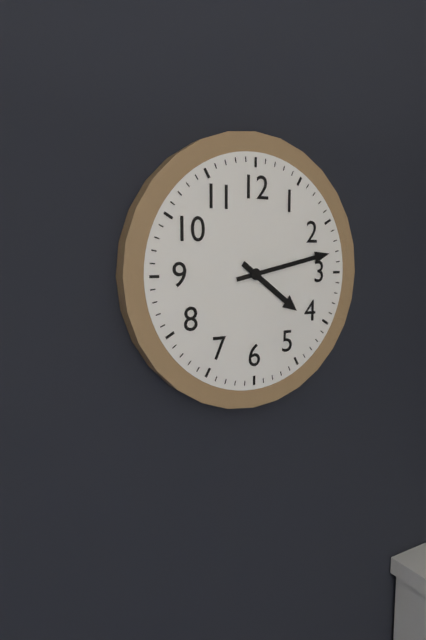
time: 4:13
